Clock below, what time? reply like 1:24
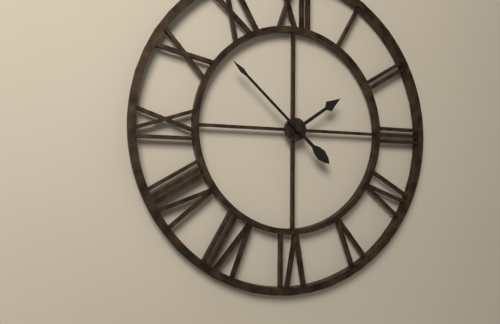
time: 1:52
